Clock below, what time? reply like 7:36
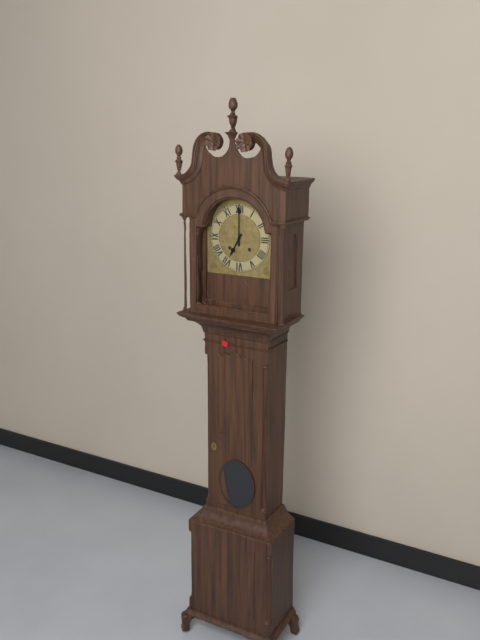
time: 7:00
